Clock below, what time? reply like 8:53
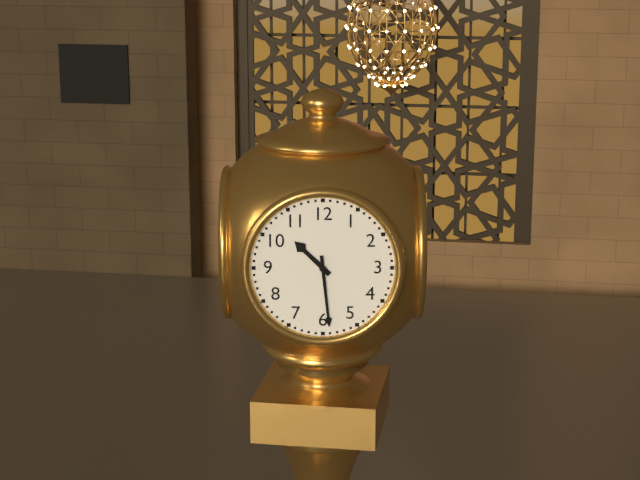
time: 10:29
